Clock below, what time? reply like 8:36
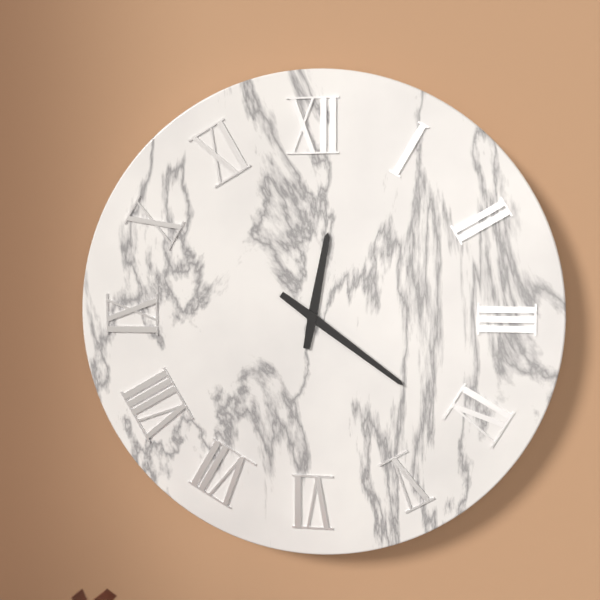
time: 12:21
